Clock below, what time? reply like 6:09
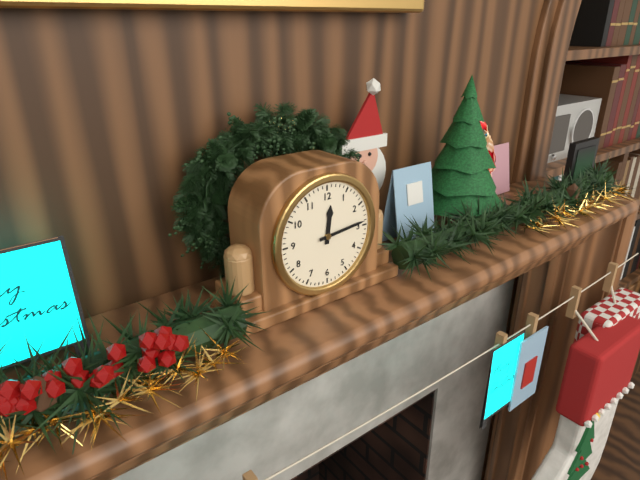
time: 12:14
